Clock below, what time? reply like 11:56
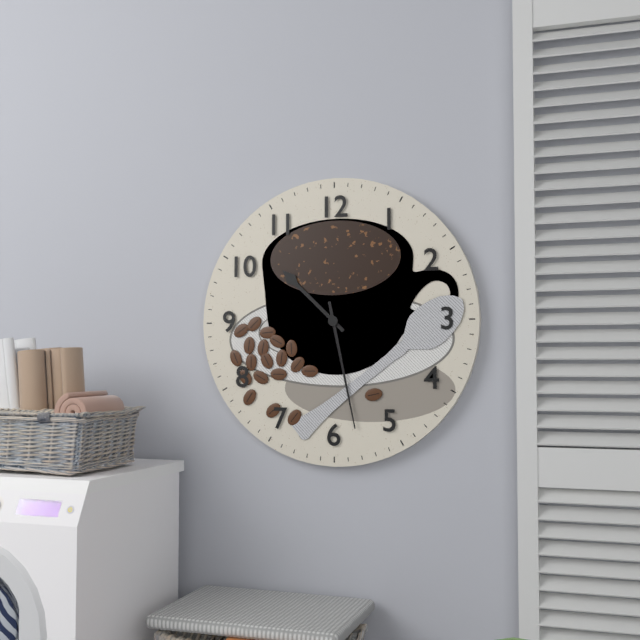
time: 10:28
